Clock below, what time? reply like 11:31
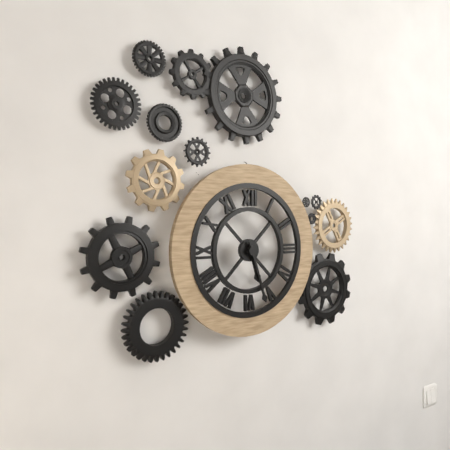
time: 5:27
